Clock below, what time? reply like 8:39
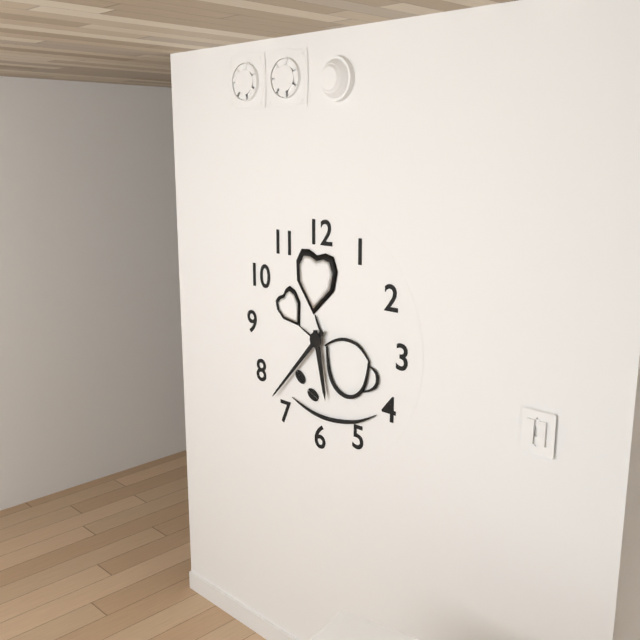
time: 5:37
